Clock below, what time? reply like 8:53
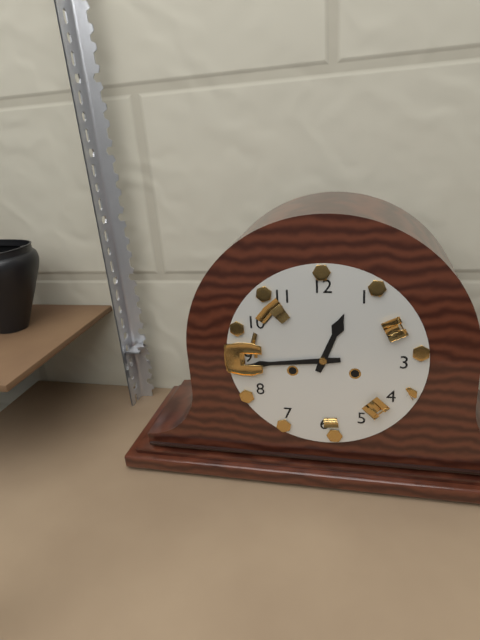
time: 12:44
